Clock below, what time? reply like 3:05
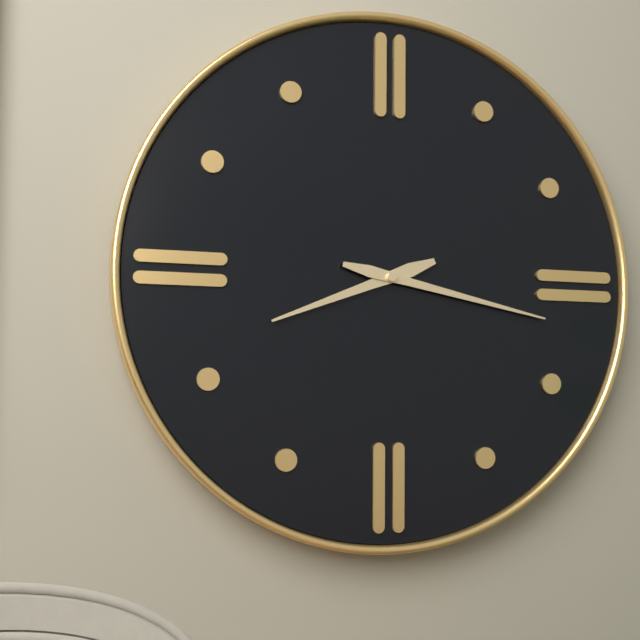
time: 8:17
